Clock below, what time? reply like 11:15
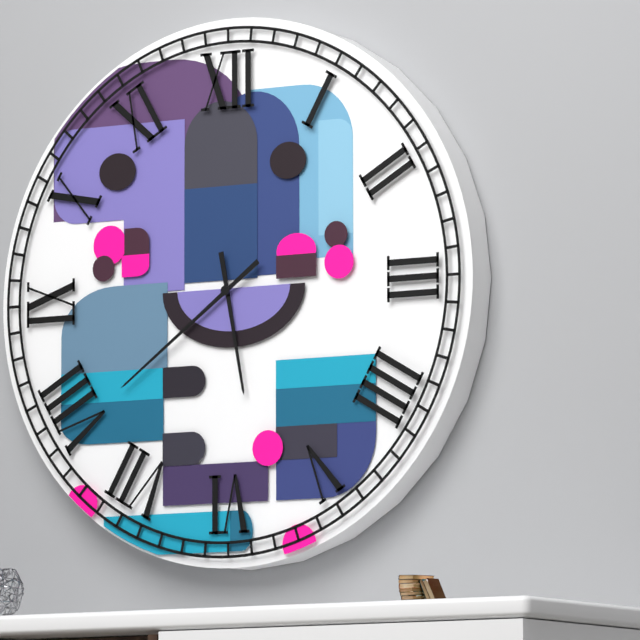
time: 5:39
